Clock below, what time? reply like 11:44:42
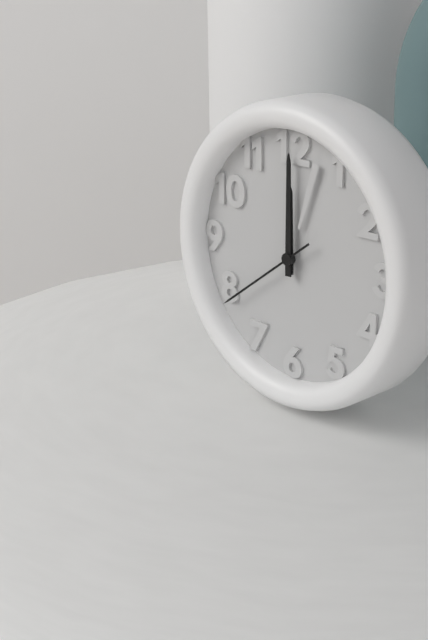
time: 12:00:39
